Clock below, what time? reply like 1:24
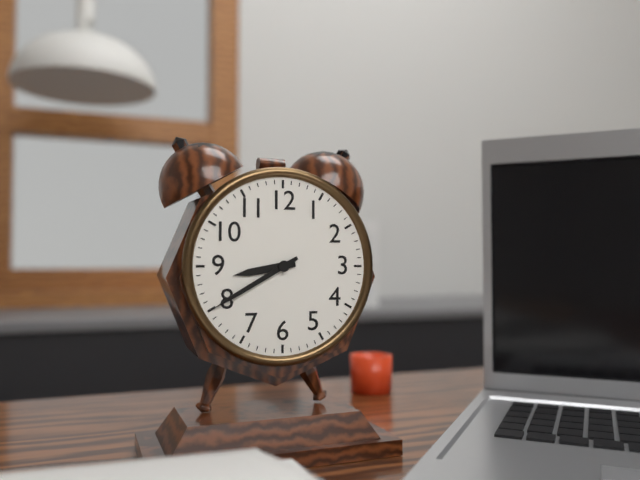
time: 8:40
